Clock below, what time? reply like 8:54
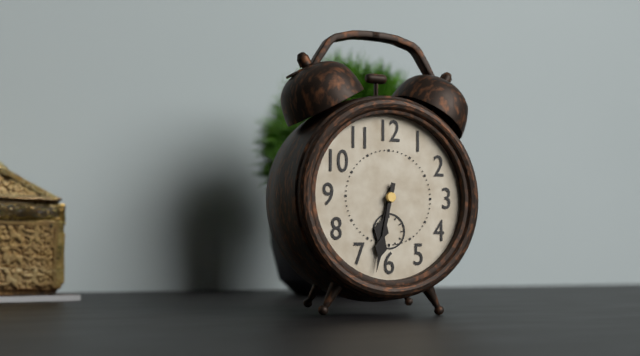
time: 6:32
